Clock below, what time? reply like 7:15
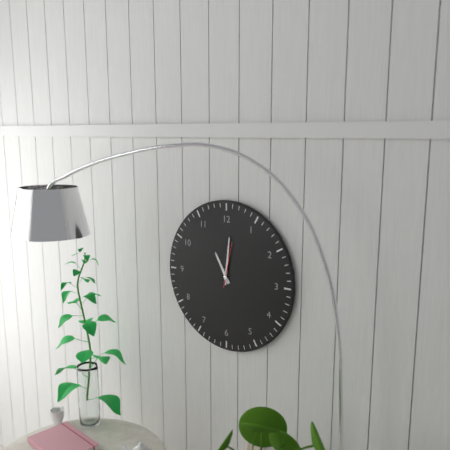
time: 11:01
